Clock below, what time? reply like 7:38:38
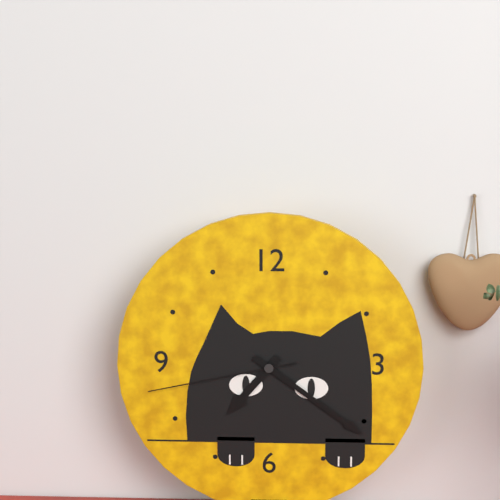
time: 7:21:43
